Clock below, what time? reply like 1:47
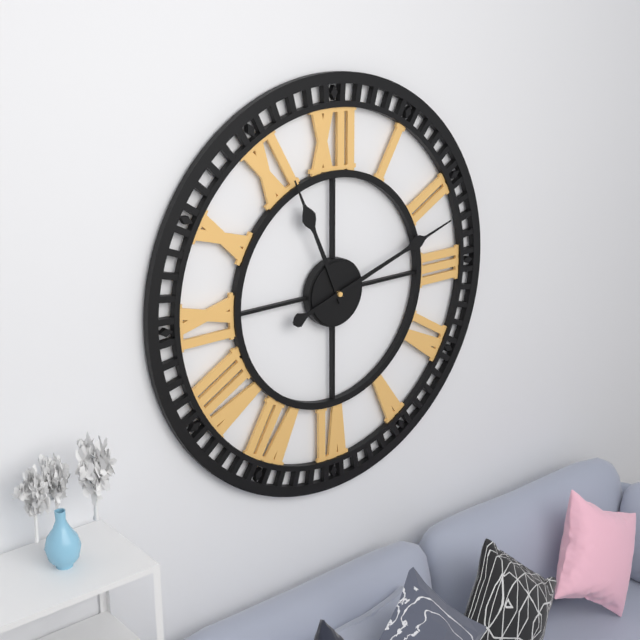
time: 11:12
